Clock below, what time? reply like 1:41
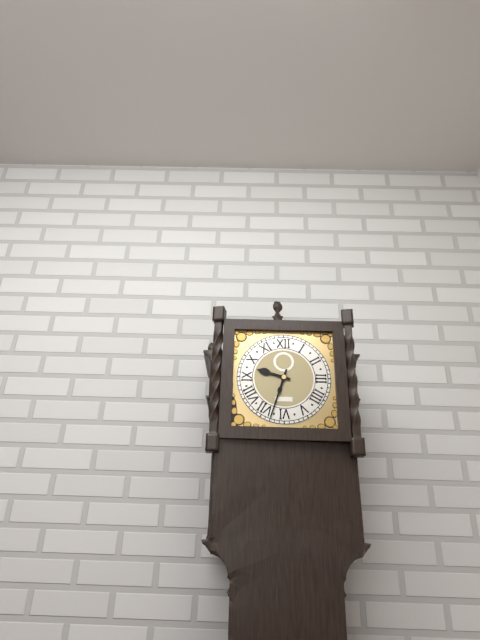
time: 9:33
